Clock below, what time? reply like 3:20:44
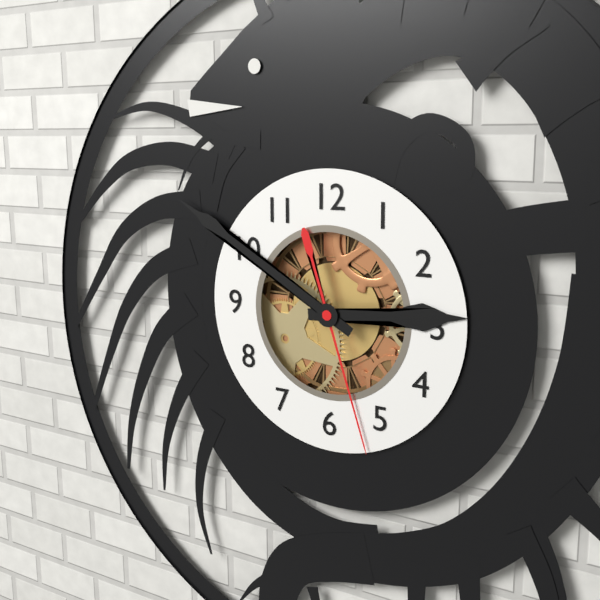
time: 2:50:27
